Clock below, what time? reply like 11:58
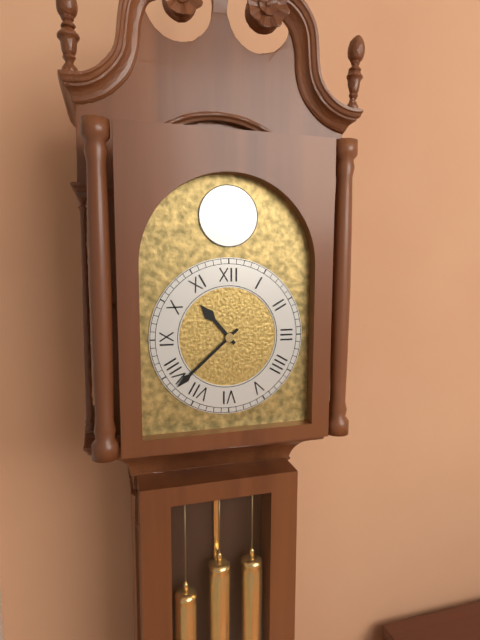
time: 10:38
